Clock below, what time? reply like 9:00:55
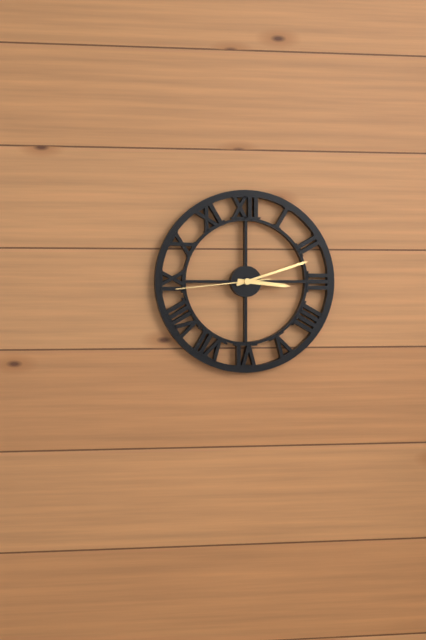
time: 3:12:44
